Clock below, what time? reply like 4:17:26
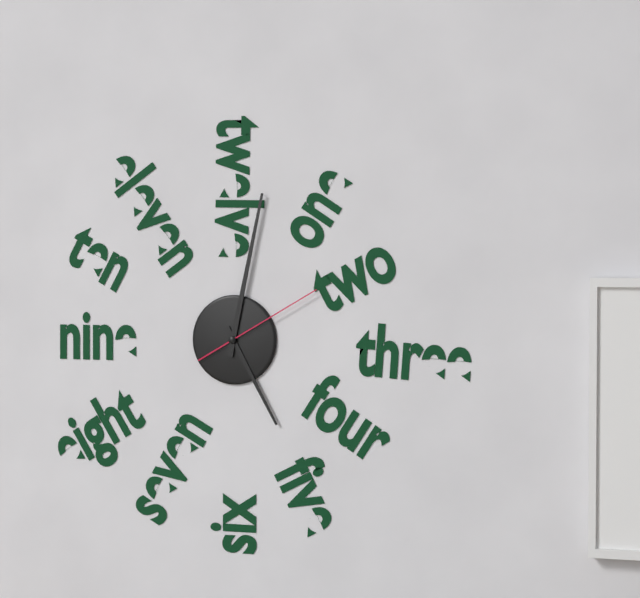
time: 5:02:10
